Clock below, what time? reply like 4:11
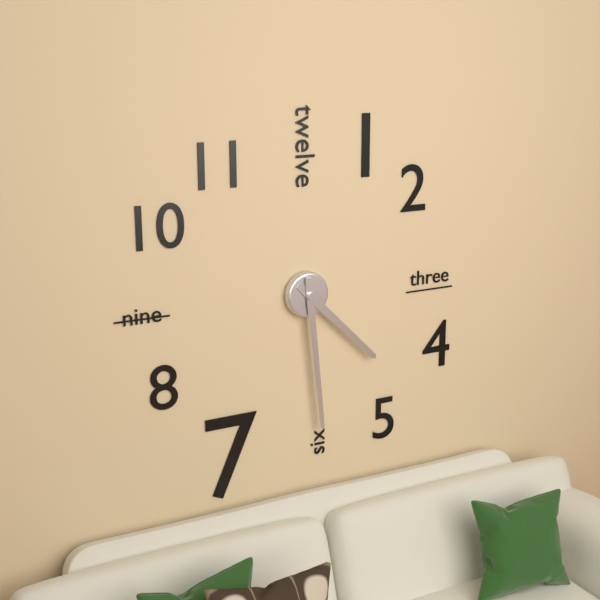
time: 4:29
